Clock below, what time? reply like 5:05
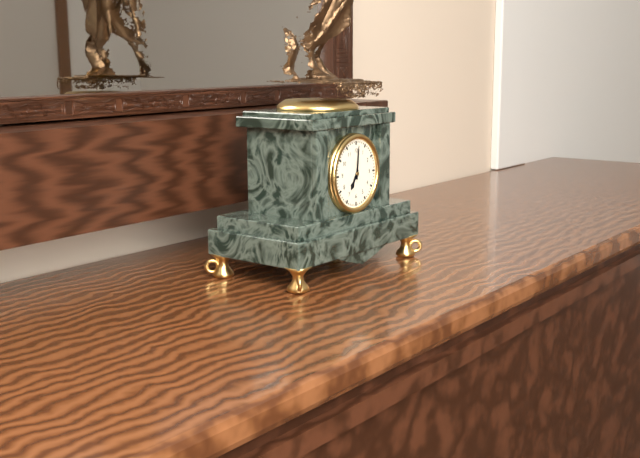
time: 7:01
